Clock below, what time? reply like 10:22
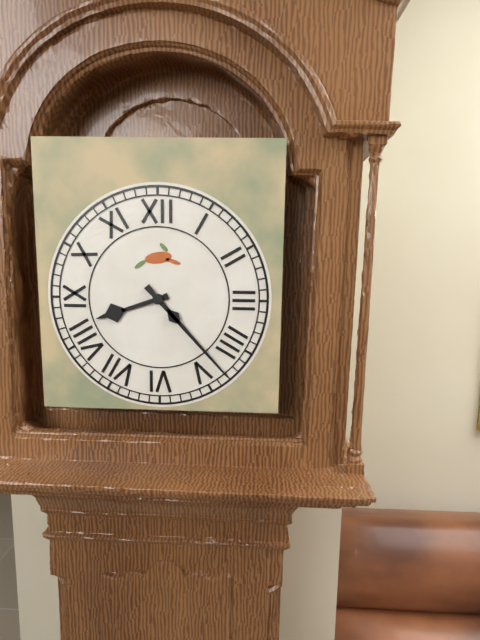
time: 8:23
